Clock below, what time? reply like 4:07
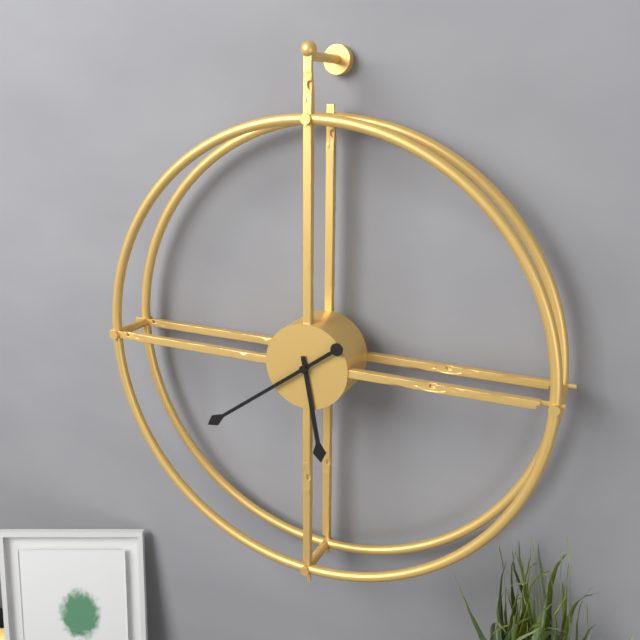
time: 5:39
